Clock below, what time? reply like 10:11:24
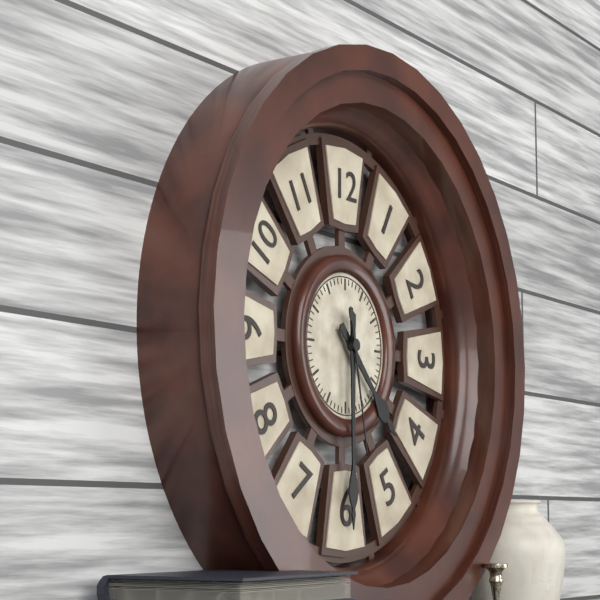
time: 4:30:28
